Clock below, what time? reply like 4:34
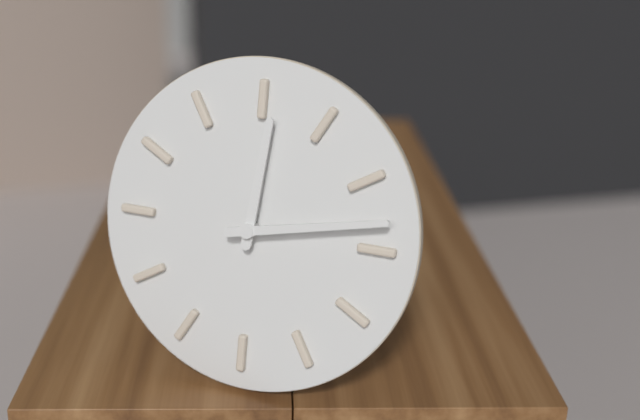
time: 12:13
